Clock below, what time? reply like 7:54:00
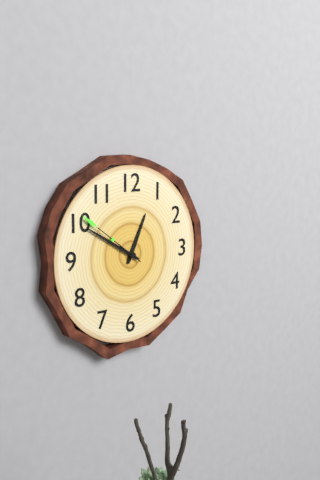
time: 12:50:51
